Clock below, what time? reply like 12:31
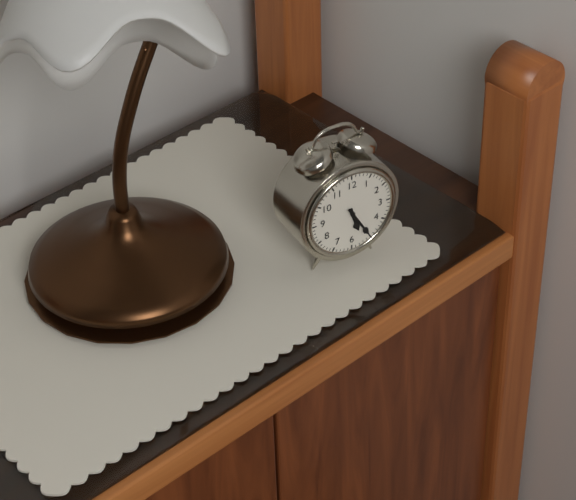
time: 5:25
